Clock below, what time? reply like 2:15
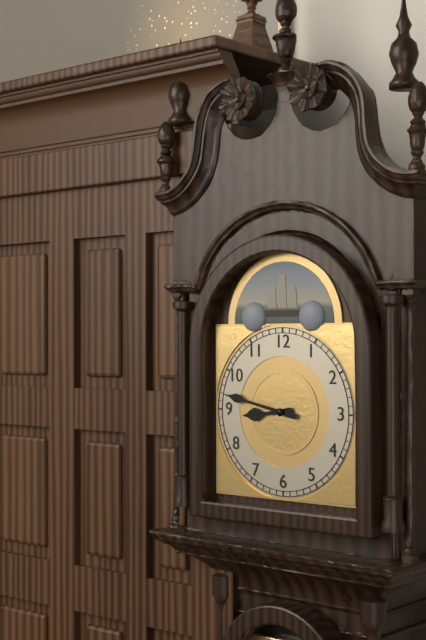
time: 8:47
